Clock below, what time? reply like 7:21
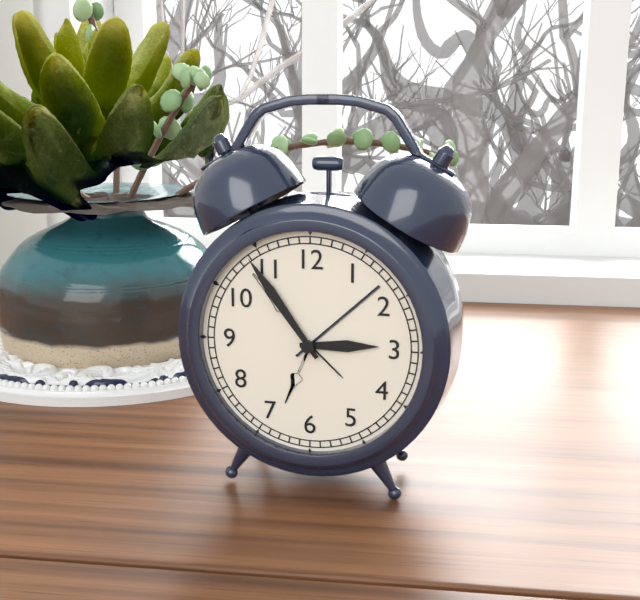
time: 2:54
